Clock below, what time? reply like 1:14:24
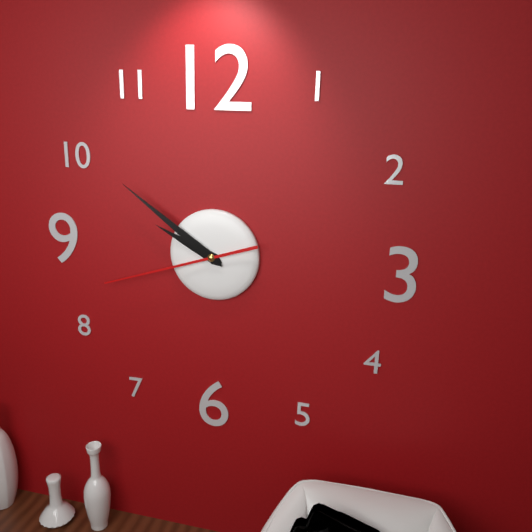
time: 9:51:42
